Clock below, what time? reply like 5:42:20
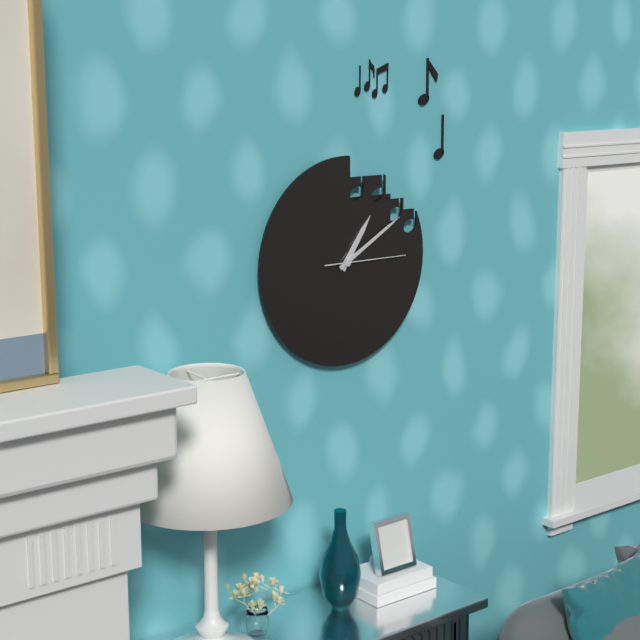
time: 1:10:15
